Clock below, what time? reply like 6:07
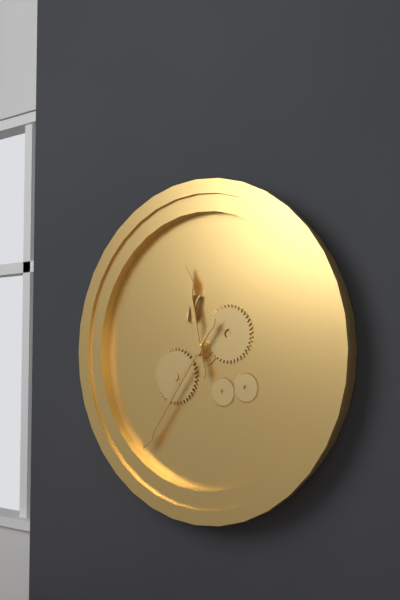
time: 11:36
